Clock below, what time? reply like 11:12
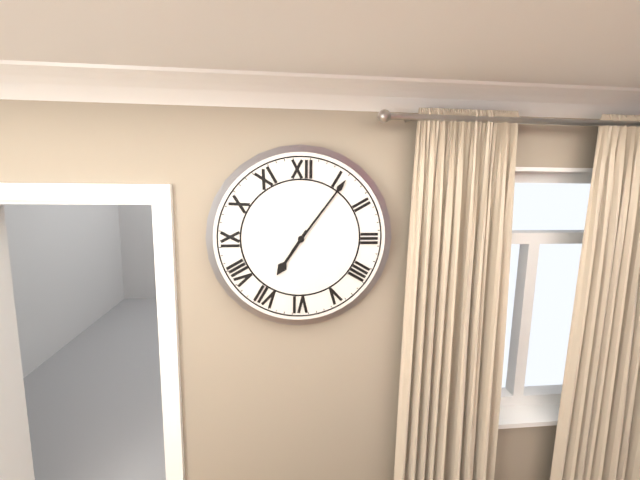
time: 7:06
